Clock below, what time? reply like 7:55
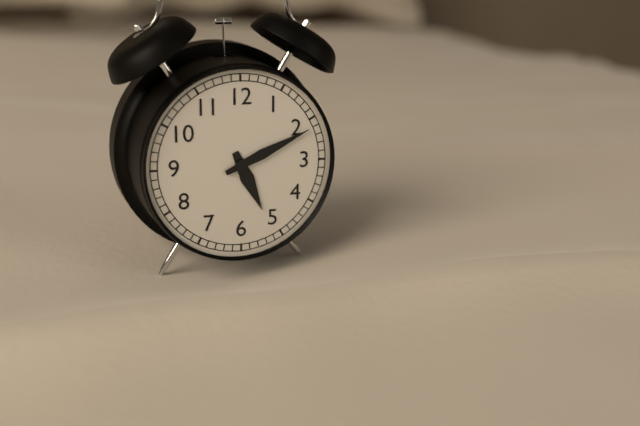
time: 5:11
